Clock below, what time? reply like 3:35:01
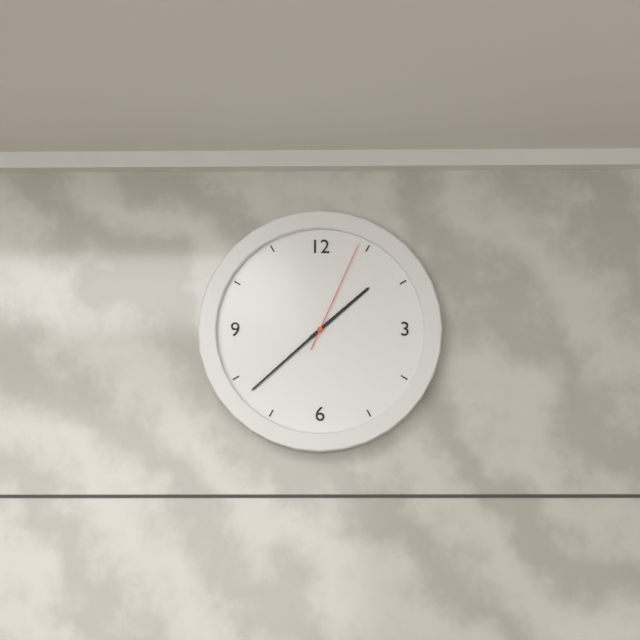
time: 1:38:04
